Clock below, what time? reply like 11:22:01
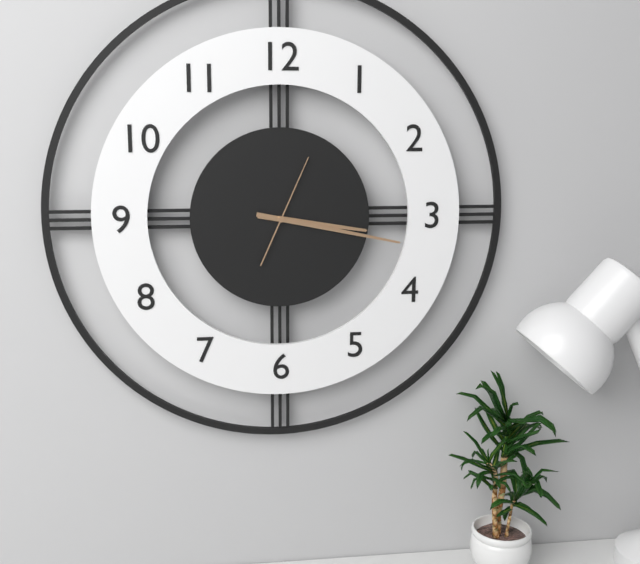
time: 3:17:04
